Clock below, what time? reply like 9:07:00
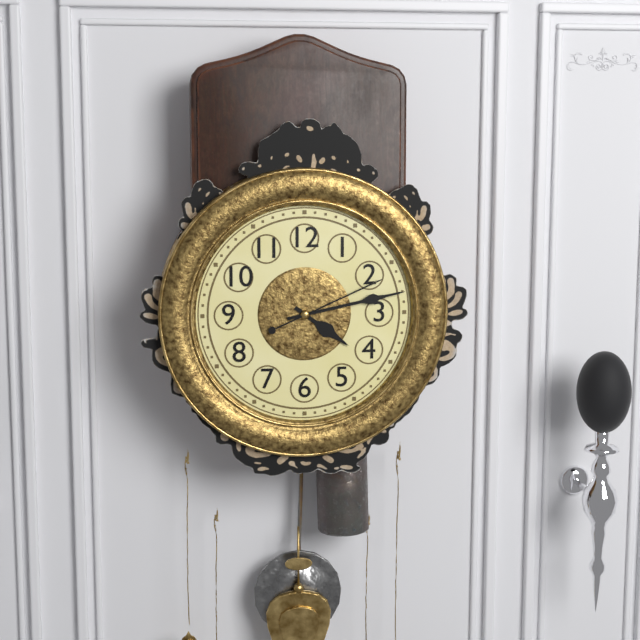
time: 4:13:11
